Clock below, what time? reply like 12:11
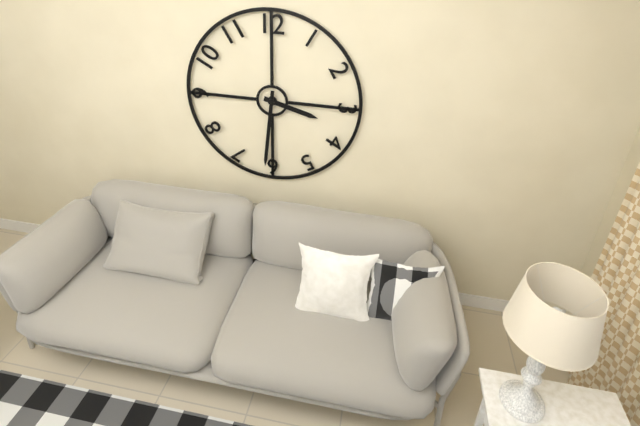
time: 3:31
